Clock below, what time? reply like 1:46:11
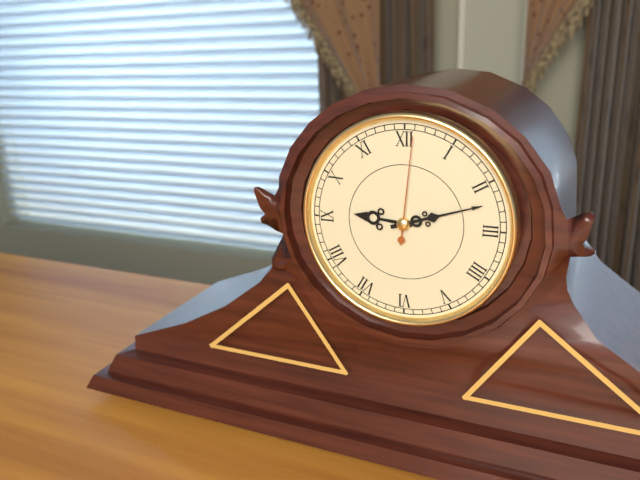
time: 9:12:01
